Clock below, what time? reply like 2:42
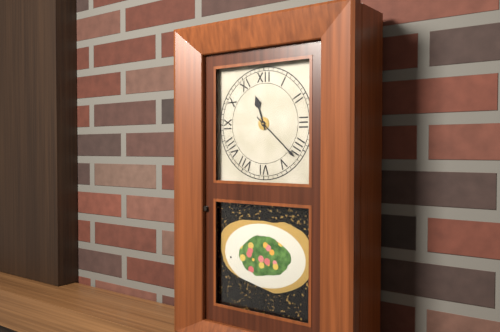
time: 11:22
